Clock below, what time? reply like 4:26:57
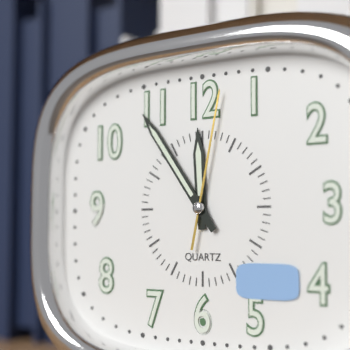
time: 11:54:02
